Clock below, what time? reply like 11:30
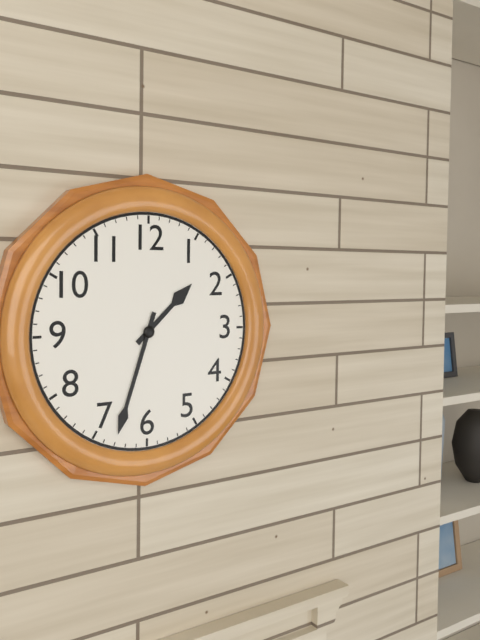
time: 1:33
